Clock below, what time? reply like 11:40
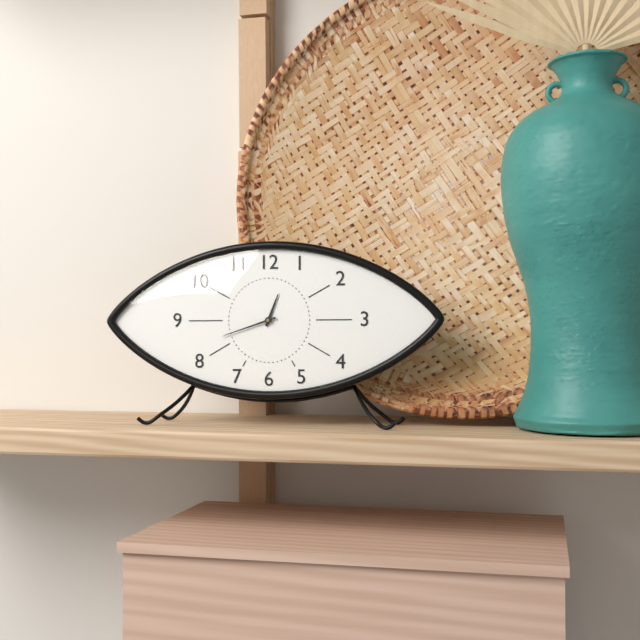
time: 12:42
